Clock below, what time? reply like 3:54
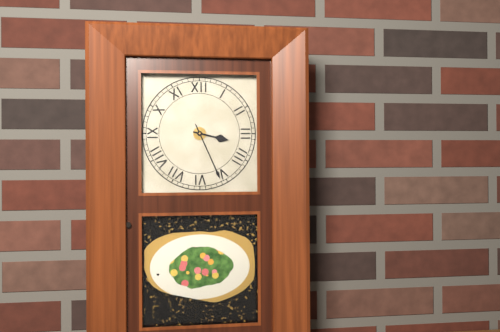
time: 3:26
